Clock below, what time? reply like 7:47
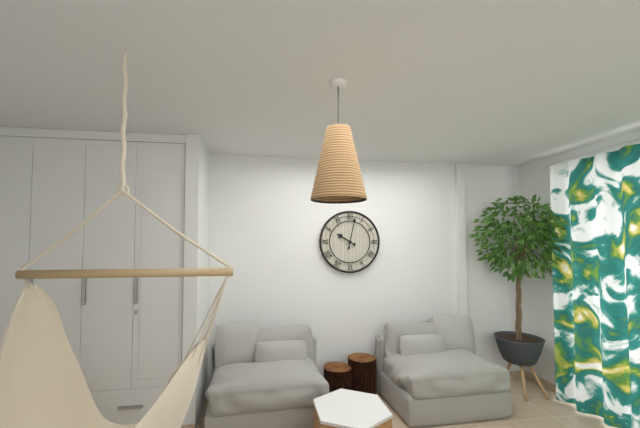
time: 10:02
